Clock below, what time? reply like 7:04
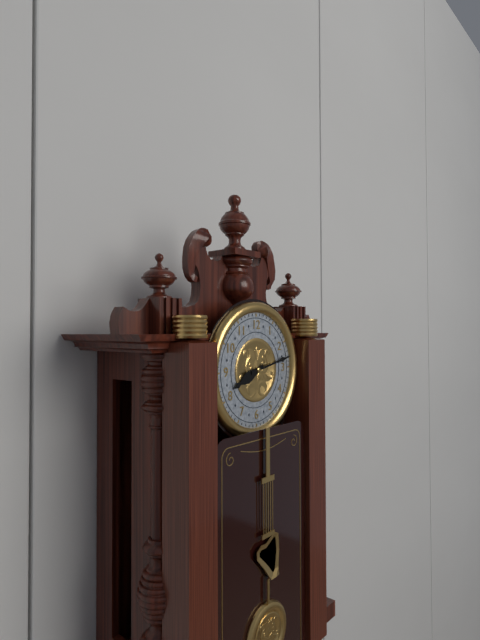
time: 8:13
